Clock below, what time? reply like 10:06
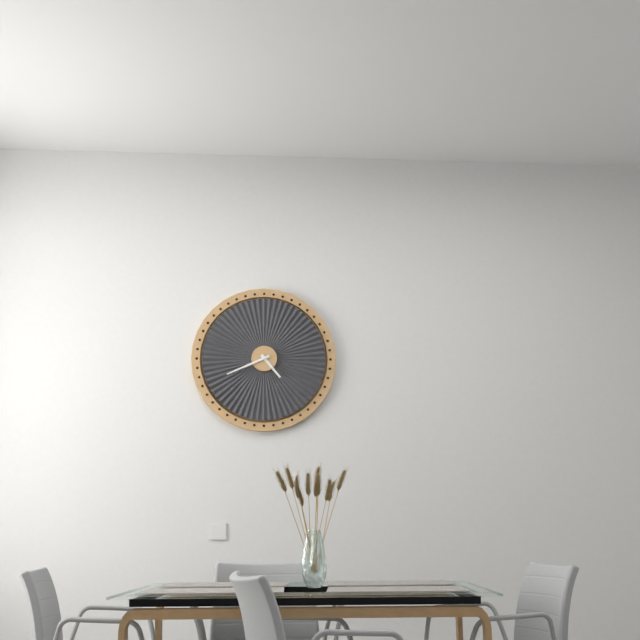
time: 4:41
